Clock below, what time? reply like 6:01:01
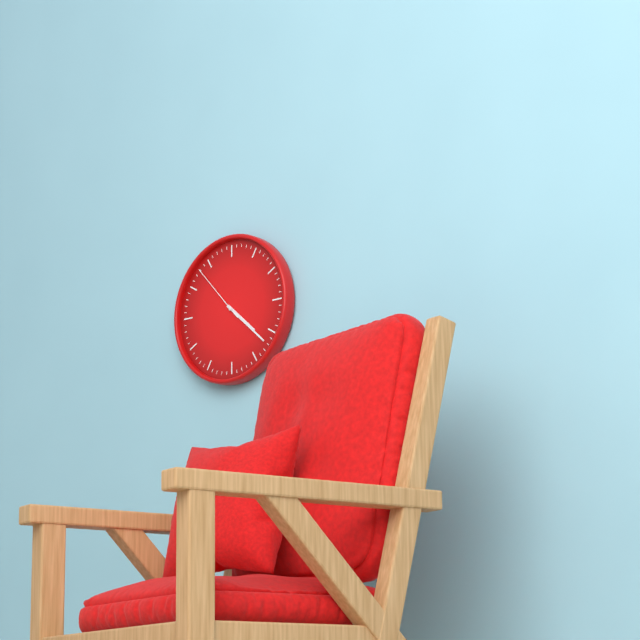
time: 4:22:53
